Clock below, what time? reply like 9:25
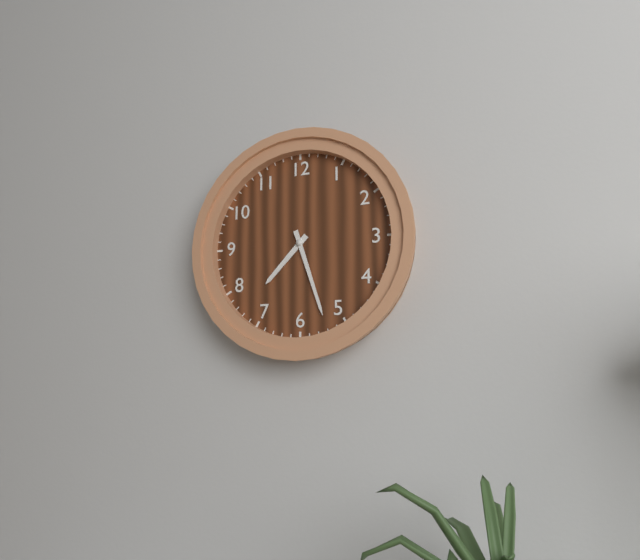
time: 7:27
